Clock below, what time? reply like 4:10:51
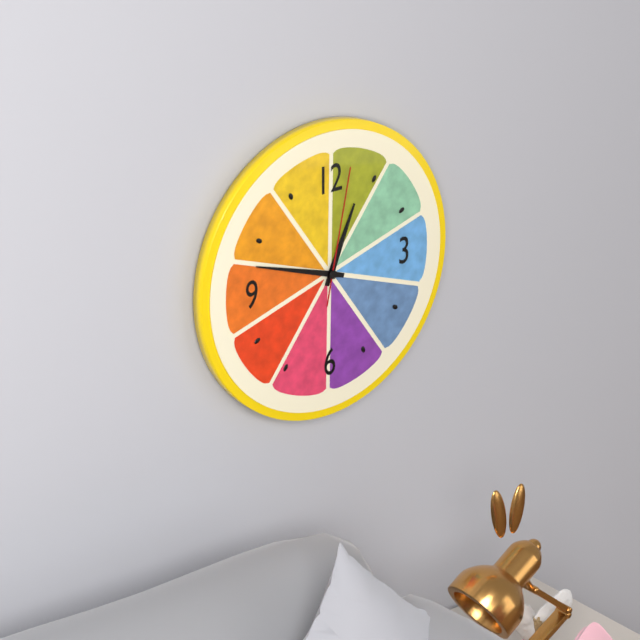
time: 12:48:02
